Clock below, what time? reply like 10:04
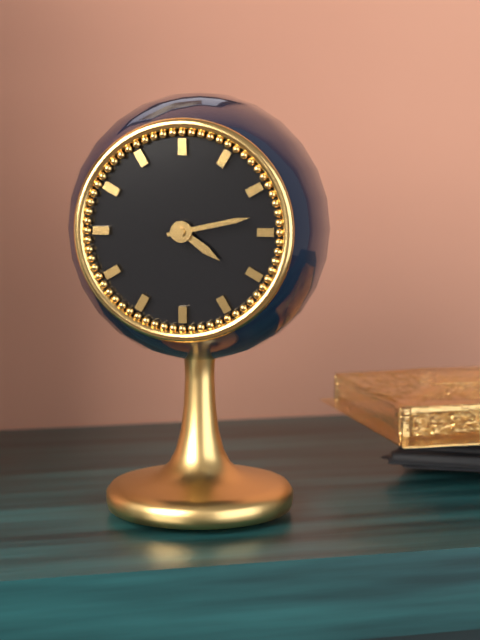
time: 4:13
